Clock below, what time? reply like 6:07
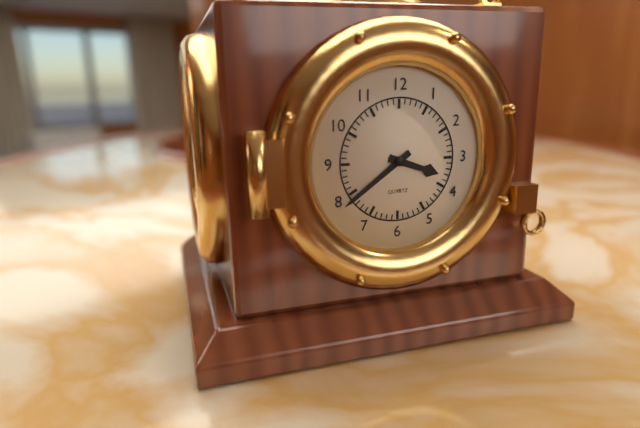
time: 3:39
